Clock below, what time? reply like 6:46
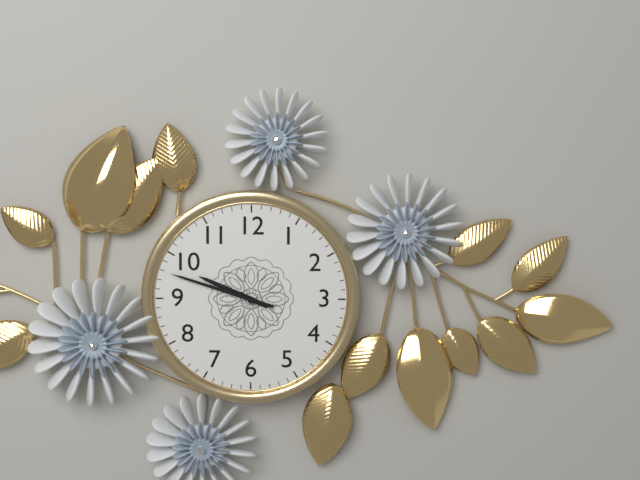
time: 9:48
